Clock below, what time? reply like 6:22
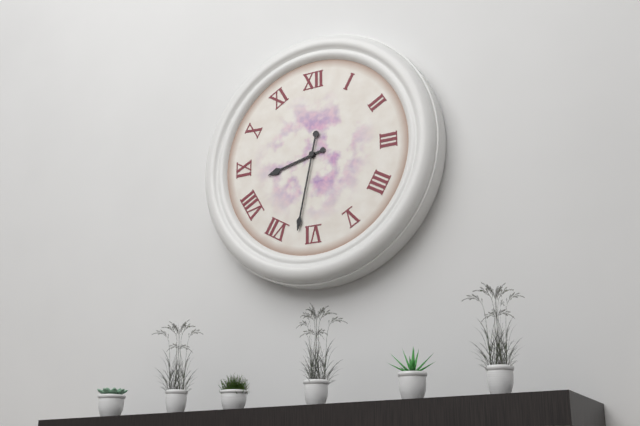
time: 8:32
